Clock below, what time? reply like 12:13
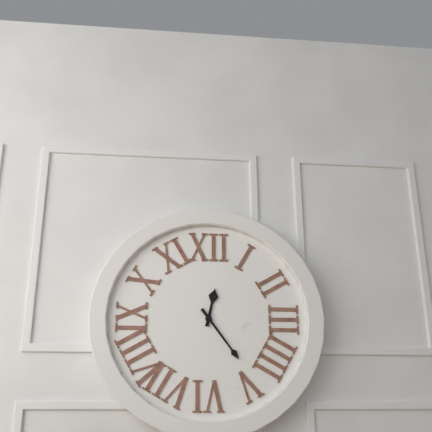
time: 12:24
